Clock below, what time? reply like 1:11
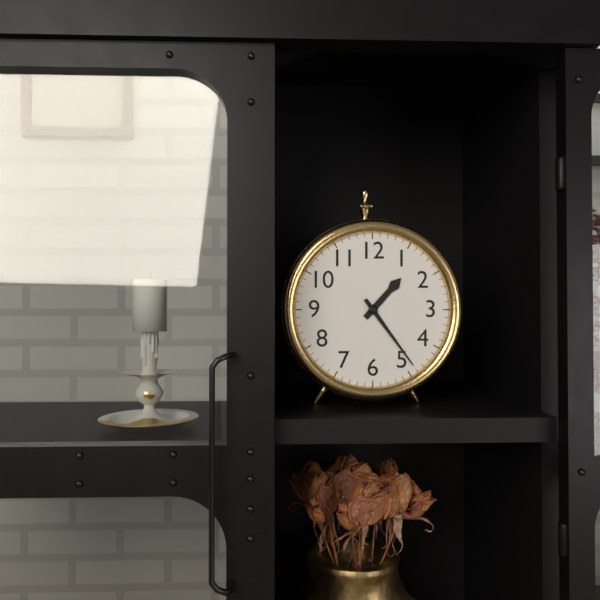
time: 1:24
